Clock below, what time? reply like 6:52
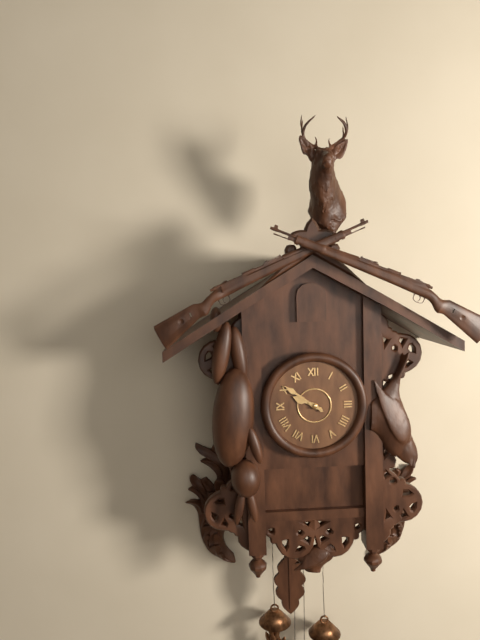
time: 9:51
